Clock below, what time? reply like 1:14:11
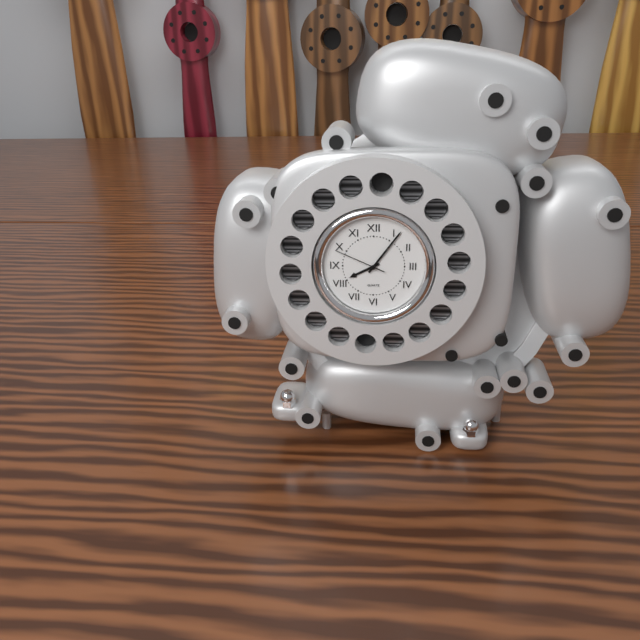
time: 8:06:49
